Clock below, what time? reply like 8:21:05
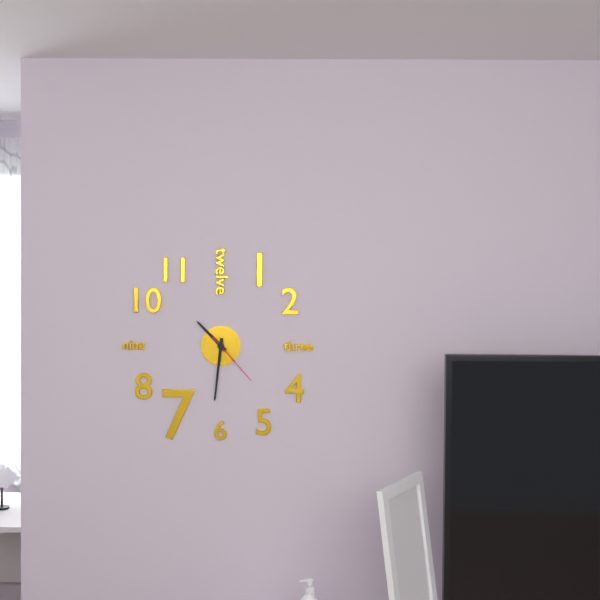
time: 10:31:23
